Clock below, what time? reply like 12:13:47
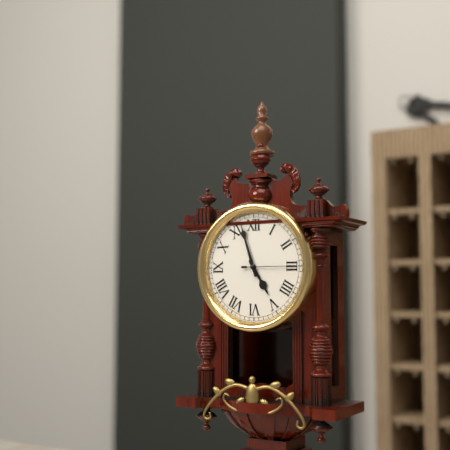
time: 4:57:15
